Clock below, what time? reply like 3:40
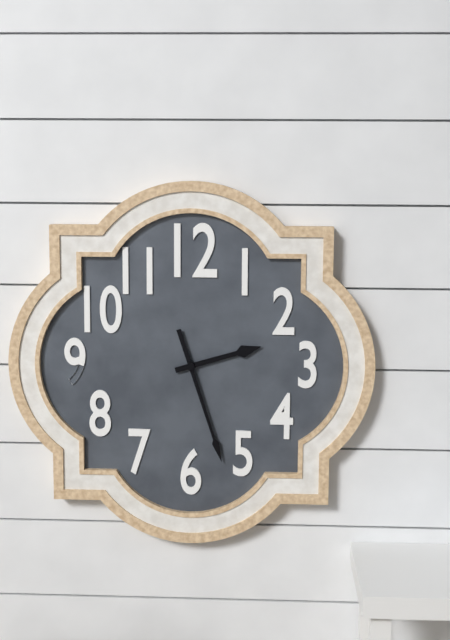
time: 2:27
